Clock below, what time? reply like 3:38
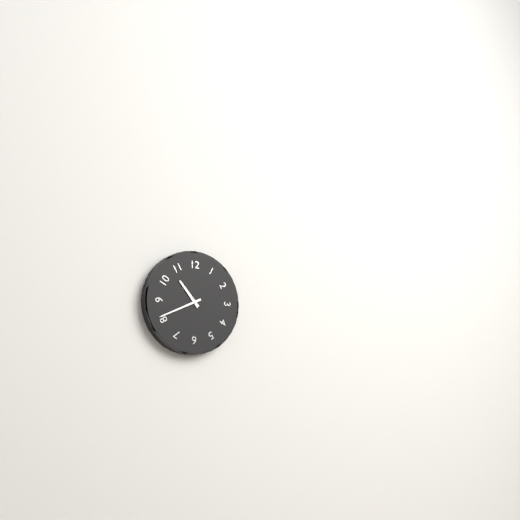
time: 10:41
